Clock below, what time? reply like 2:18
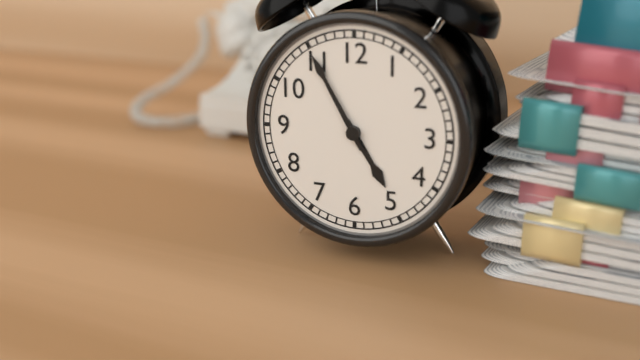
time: 4:55
